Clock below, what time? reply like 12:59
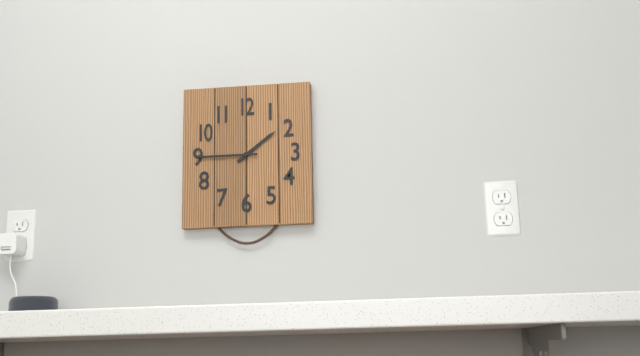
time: 1:45
